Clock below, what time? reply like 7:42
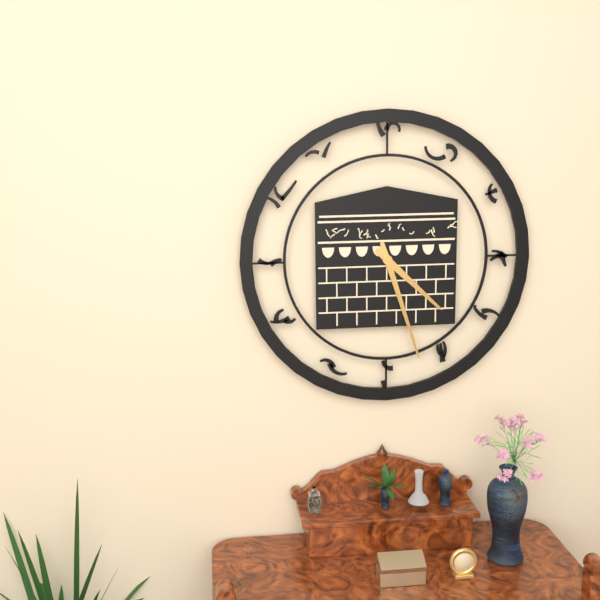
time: 4:27
